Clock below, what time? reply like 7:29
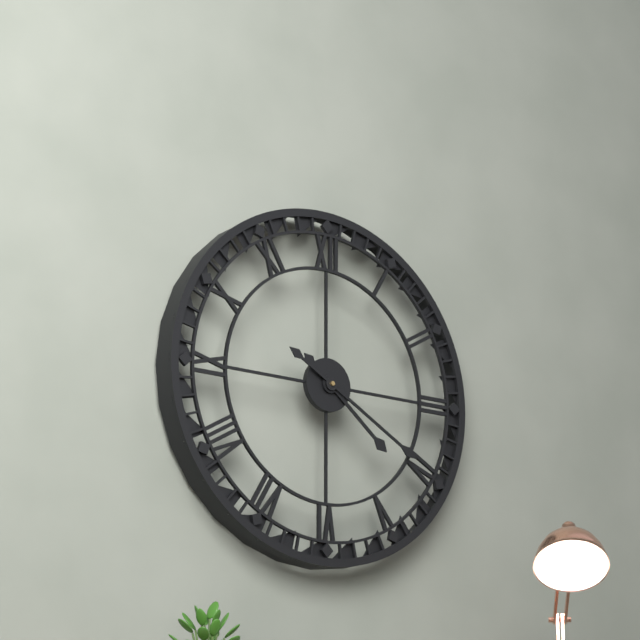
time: 4:20
